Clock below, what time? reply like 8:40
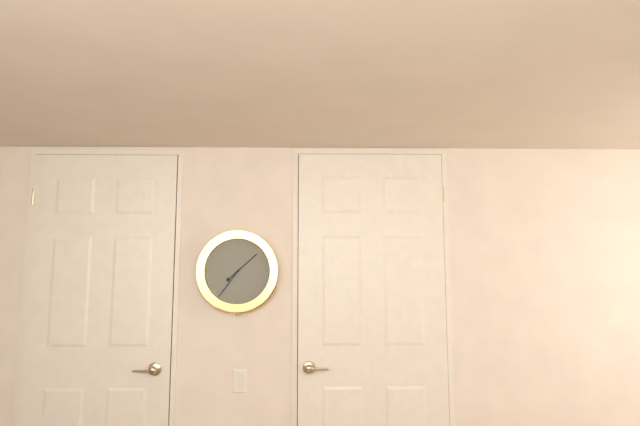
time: 1:36
